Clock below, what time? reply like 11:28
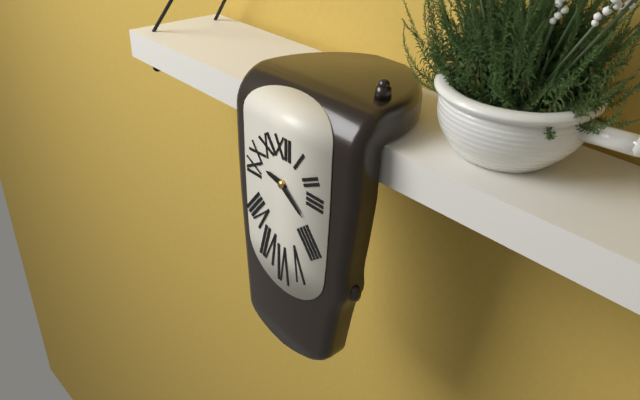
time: 9:21
